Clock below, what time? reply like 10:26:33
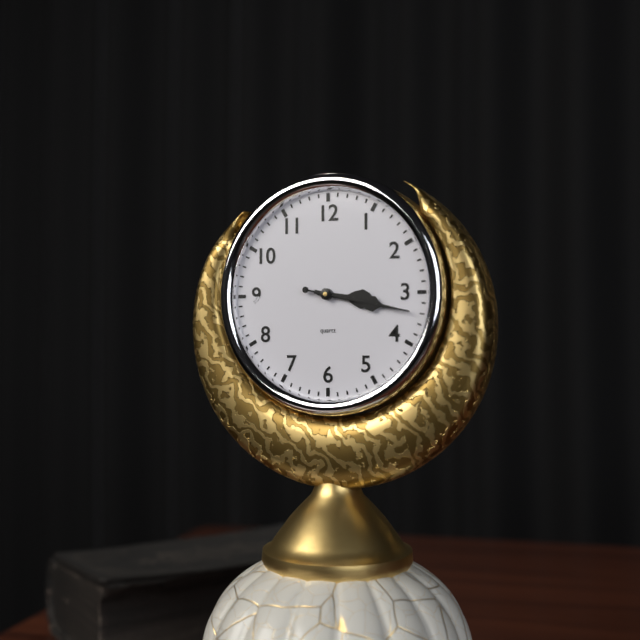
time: 3:17:17
